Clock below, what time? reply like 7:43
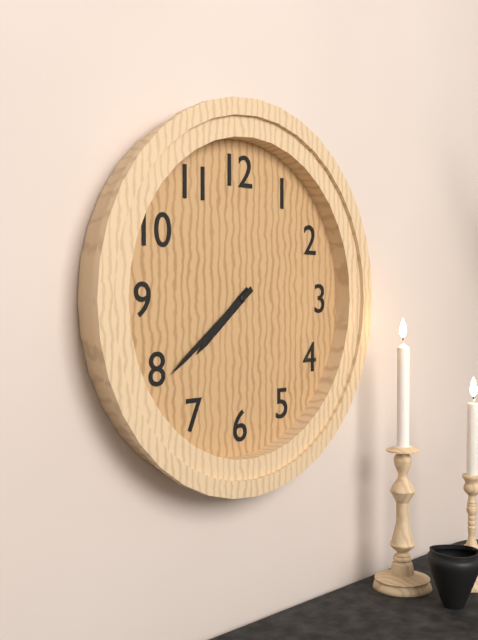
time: 7:39
